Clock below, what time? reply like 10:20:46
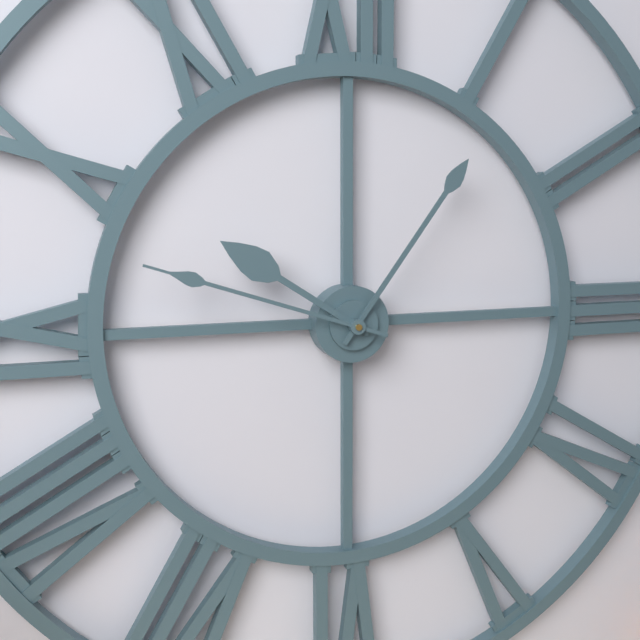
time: 10:06:48
